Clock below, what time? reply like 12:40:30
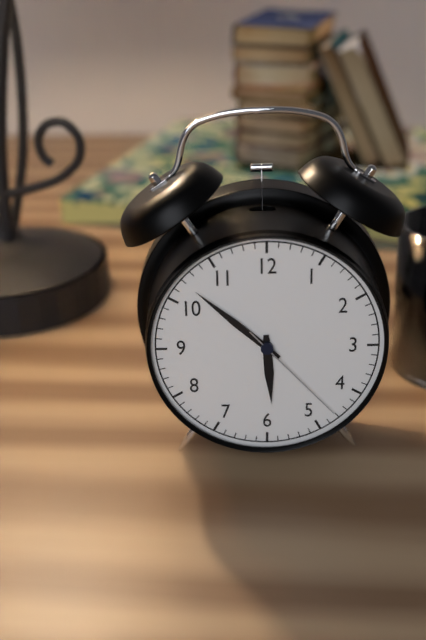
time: 5:52:23
